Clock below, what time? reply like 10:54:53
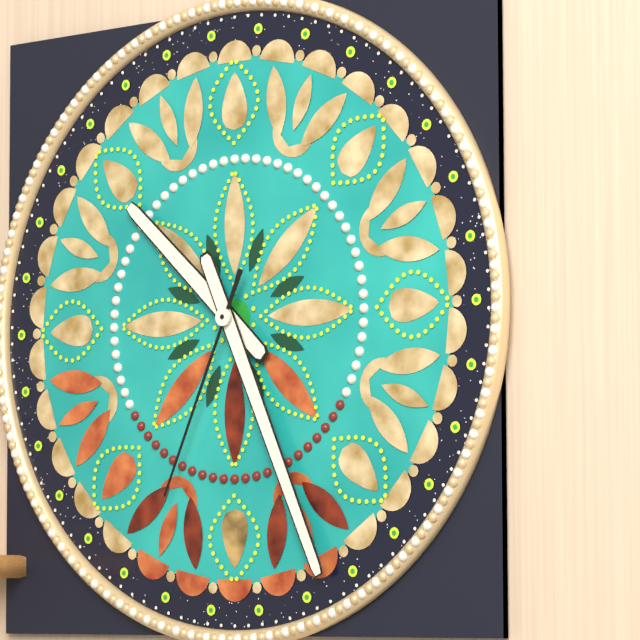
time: 10:26:34
